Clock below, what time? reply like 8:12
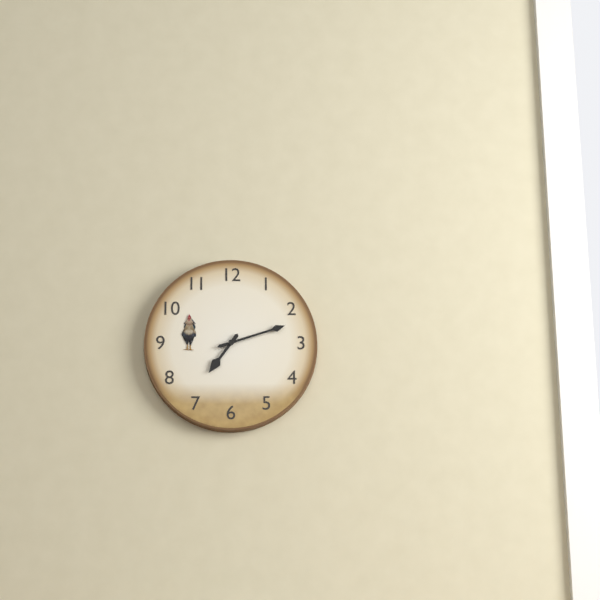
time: 7:12
